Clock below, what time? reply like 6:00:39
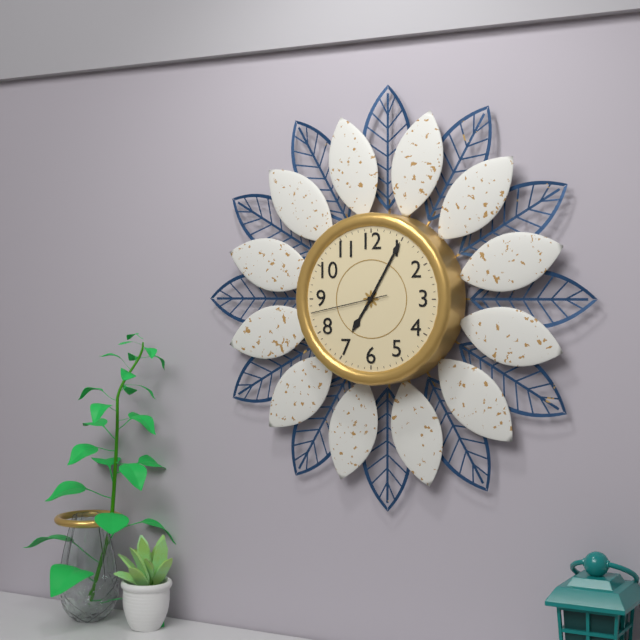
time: 7:05:43
